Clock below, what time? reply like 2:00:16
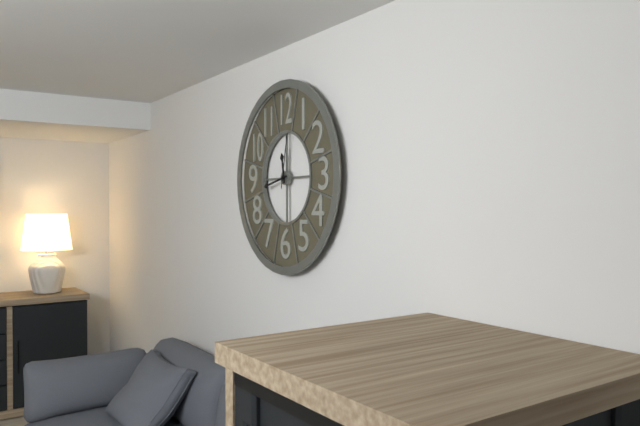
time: 11:43:02
